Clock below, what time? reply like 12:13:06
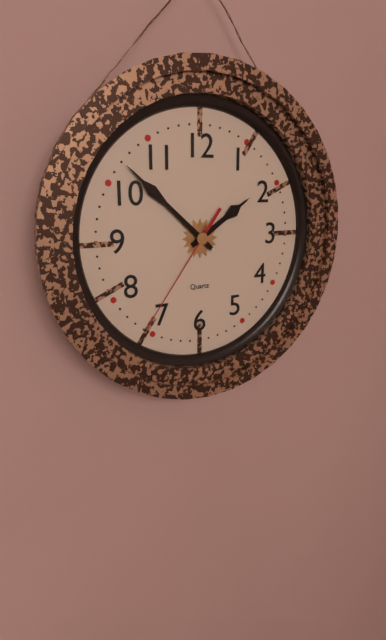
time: 1:52:36
